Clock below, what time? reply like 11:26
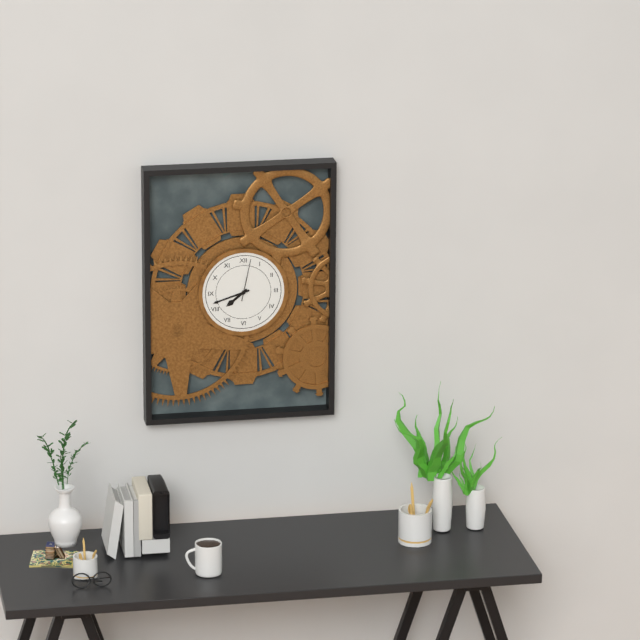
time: 7:42
